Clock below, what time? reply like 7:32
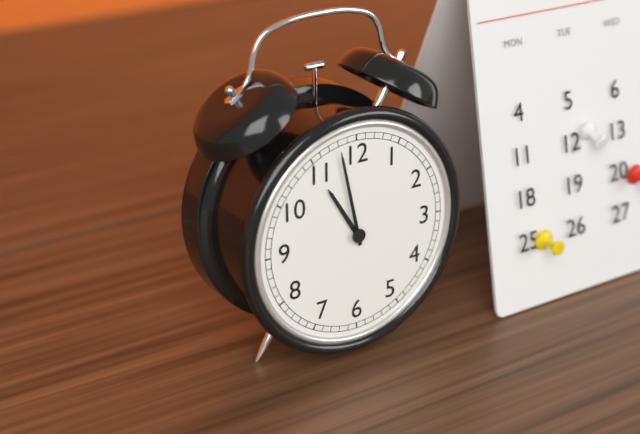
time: 10:58
